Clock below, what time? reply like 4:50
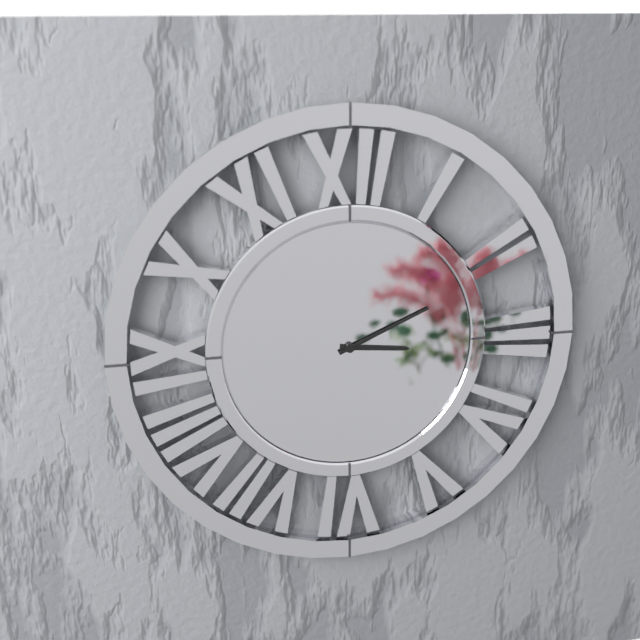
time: 3:11
